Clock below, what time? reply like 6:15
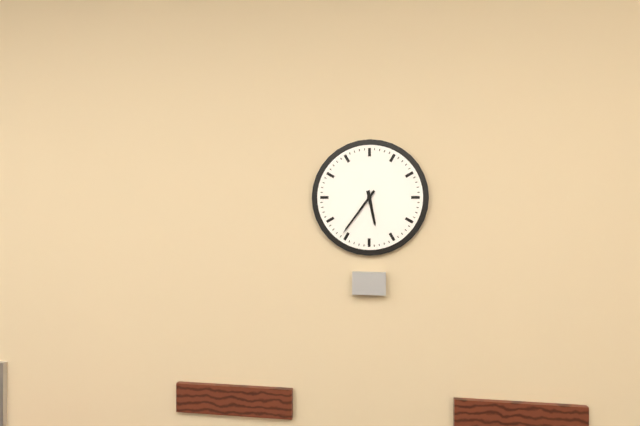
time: 5:36
